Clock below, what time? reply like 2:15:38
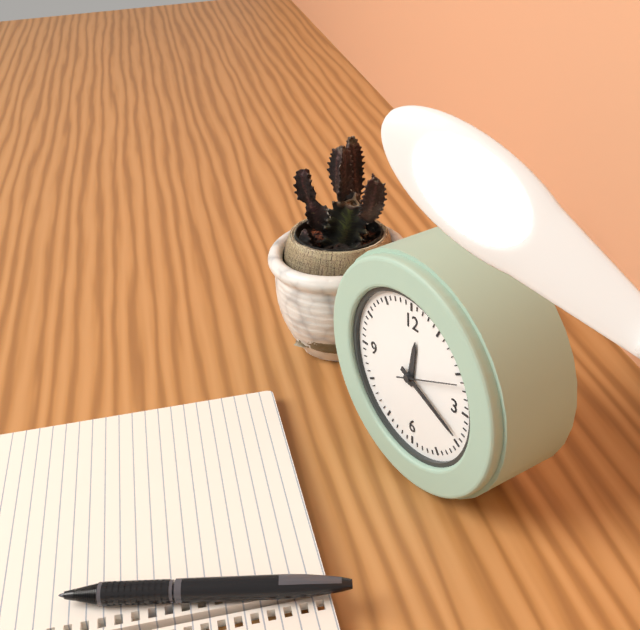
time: 12:19:11
